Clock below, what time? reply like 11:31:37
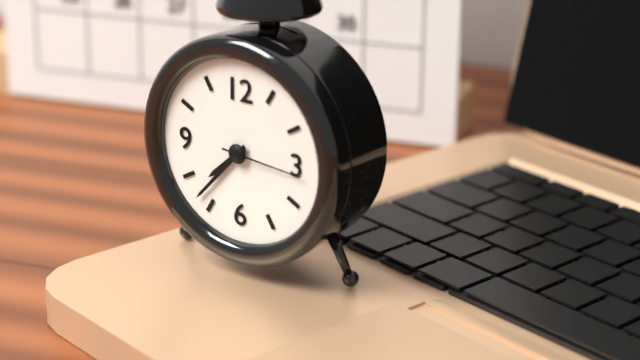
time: 7:37:16
